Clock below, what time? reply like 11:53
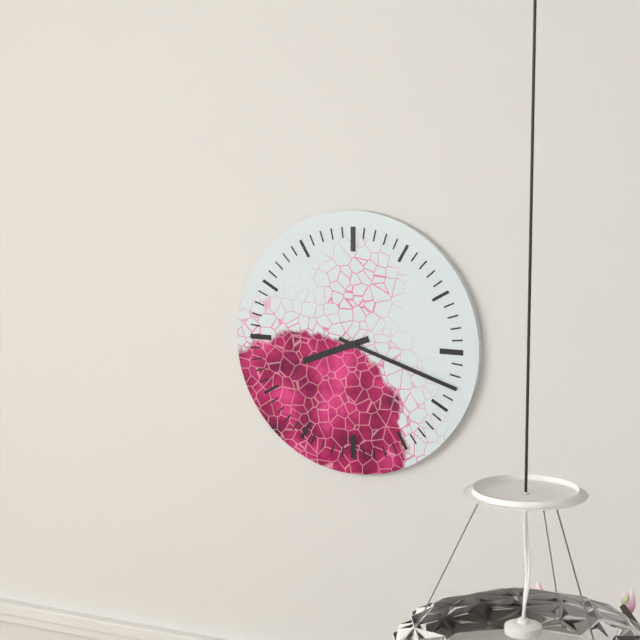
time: 8:18
